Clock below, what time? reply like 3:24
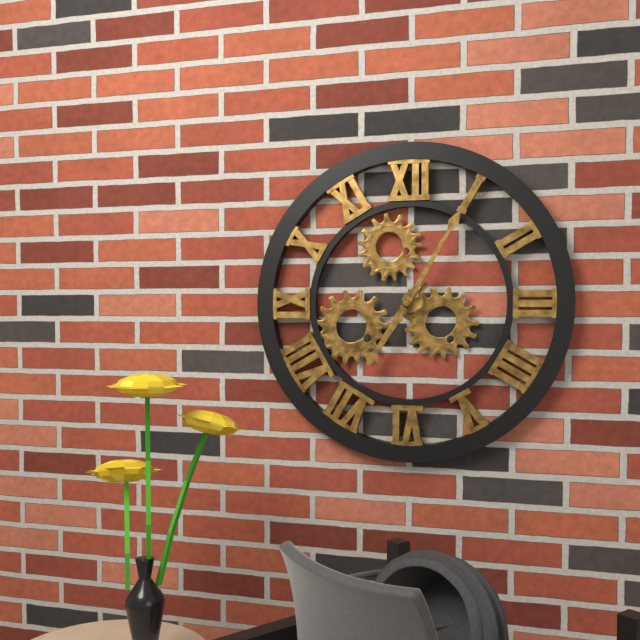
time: 7:05
